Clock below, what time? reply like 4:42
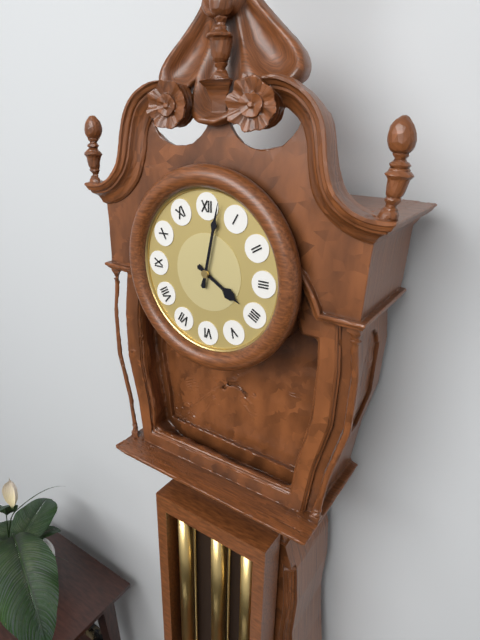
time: 4:02
